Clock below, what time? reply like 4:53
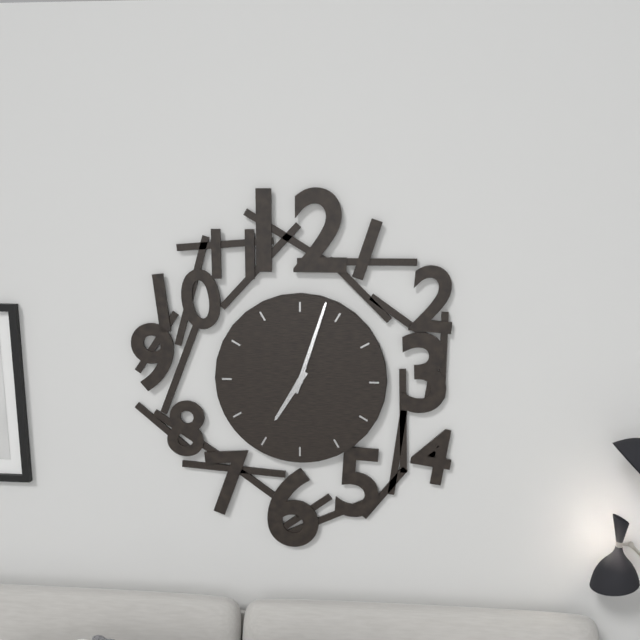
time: 7:03
